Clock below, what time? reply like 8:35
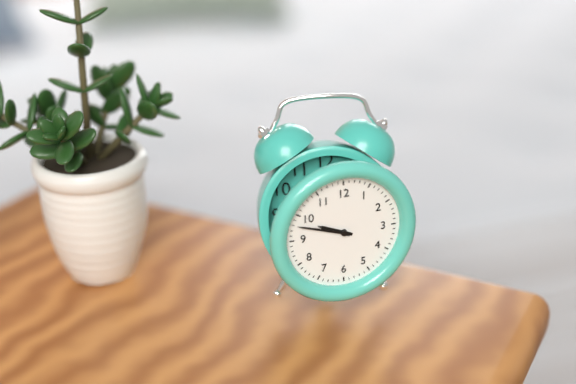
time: 9:48
